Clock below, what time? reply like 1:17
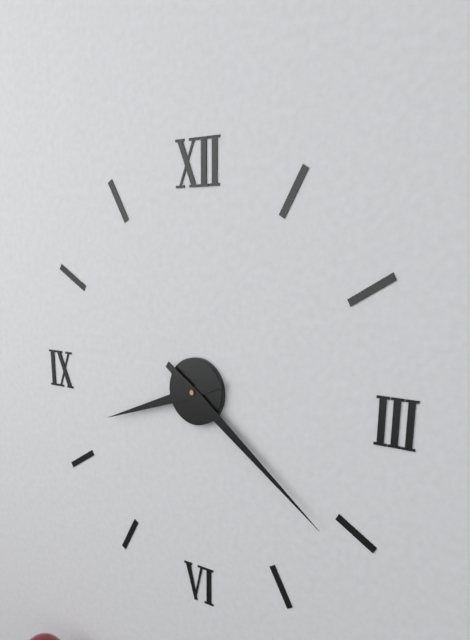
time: 8:21
